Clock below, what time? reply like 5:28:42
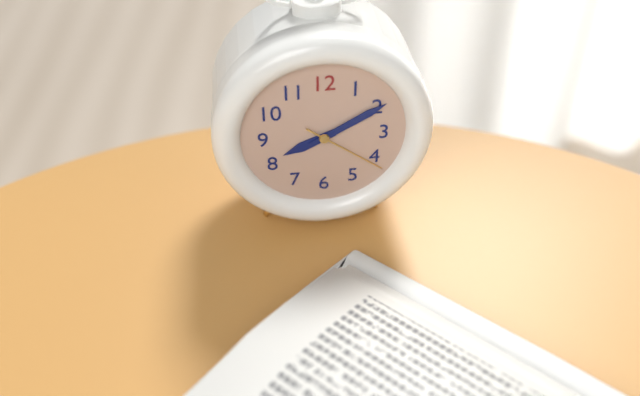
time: 8:10:21
